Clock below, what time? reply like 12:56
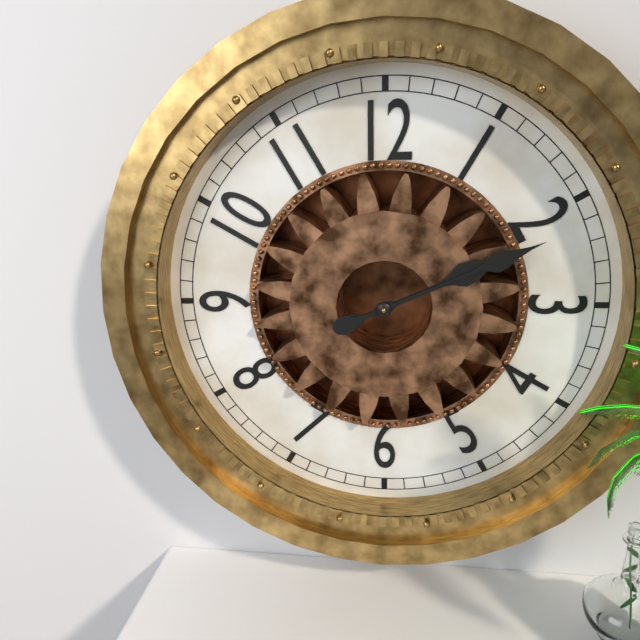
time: 2:11
